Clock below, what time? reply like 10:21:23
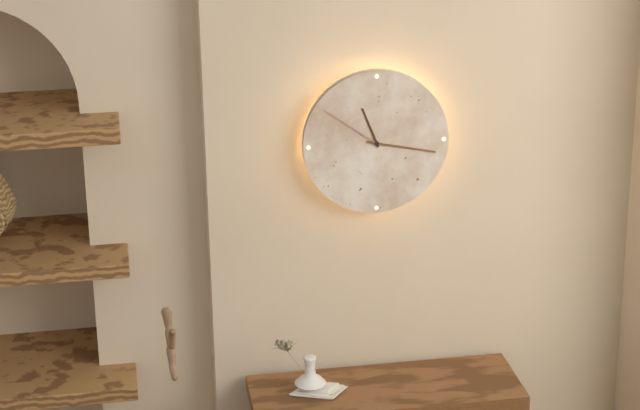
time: 11:17:51
